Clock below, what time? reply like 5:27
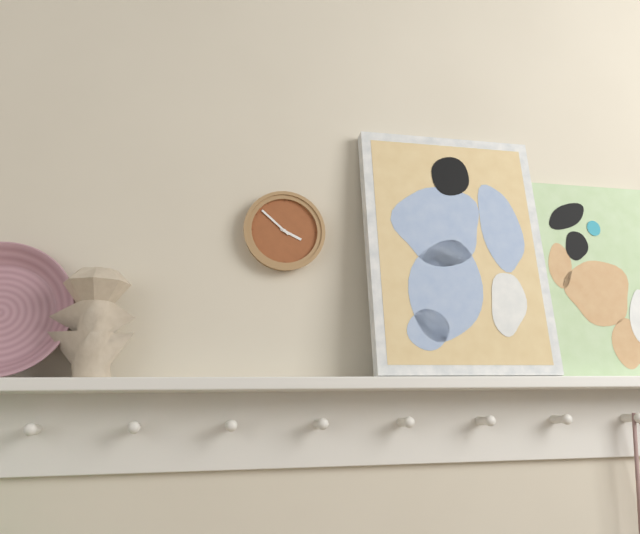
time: 3:52
